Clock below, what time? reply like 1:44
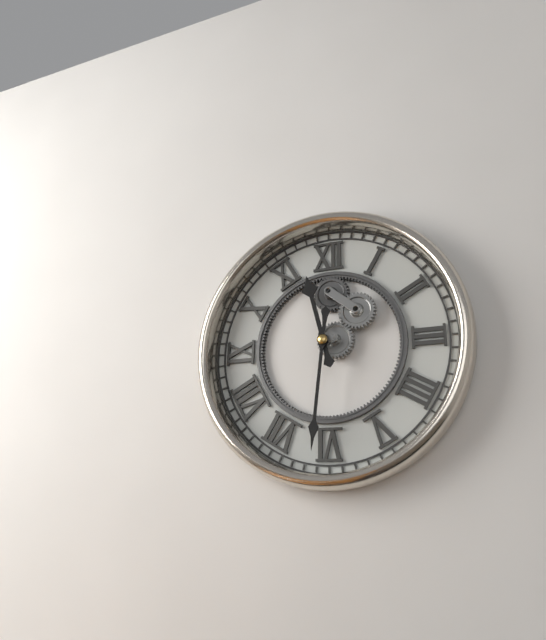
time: 11:31
